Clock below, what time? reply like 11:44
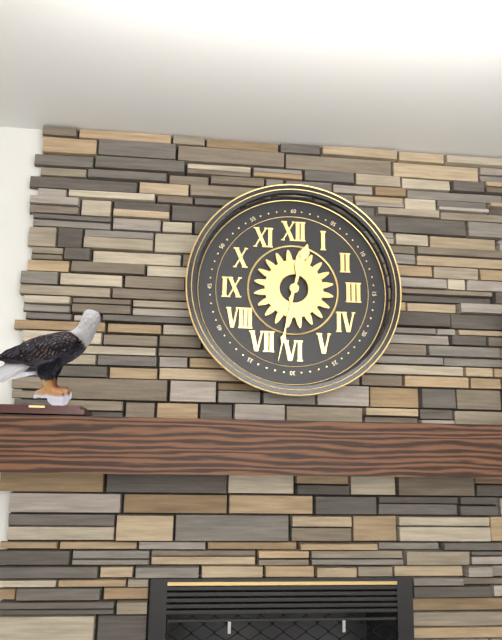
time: 12:32
